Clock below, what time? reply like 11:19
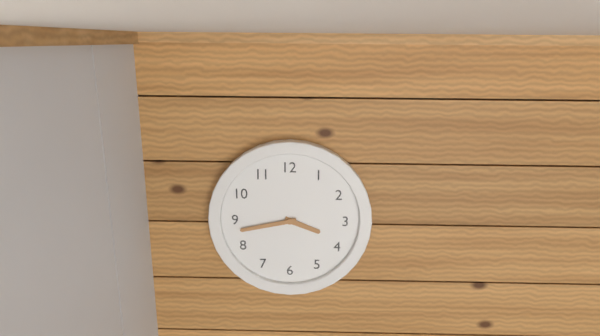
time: 3:43
